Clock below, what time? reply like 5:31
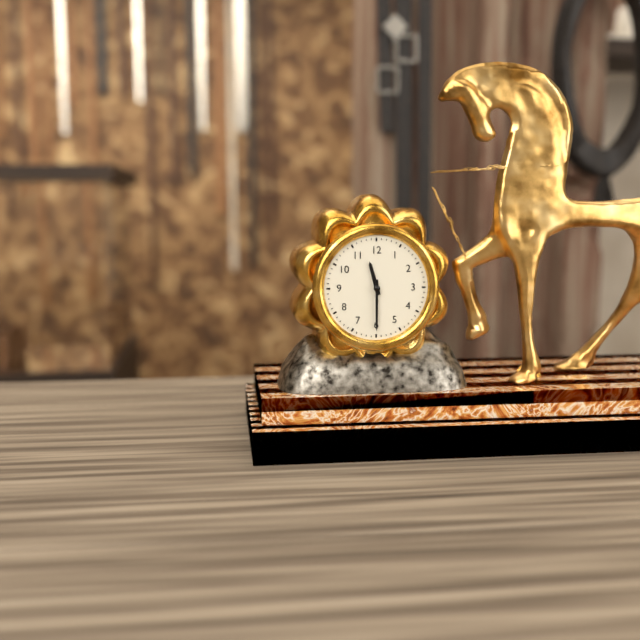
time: 11:30
